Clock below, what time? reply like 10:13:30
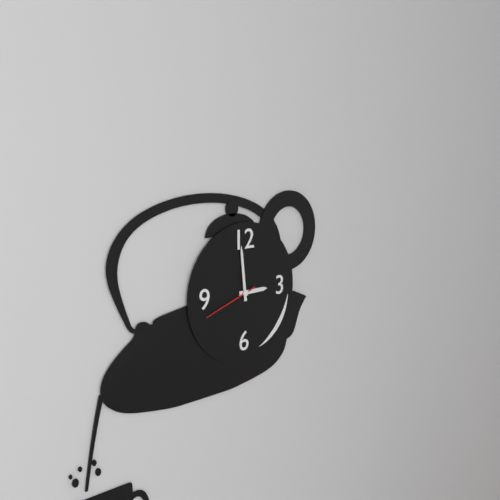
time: 2:59:42
